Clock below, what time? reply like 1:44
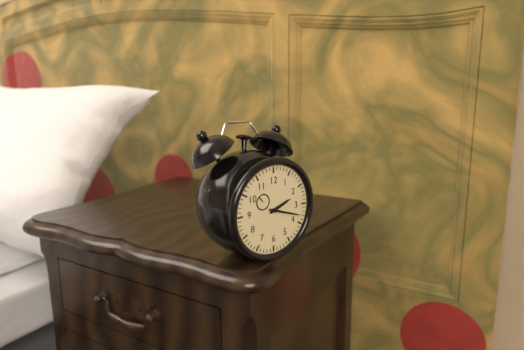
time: 2:18
